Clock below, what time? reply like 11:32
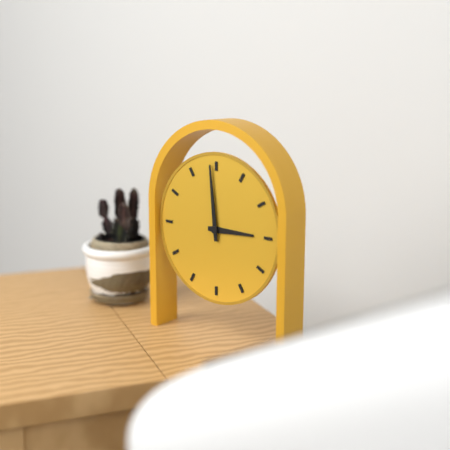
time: 2:59
